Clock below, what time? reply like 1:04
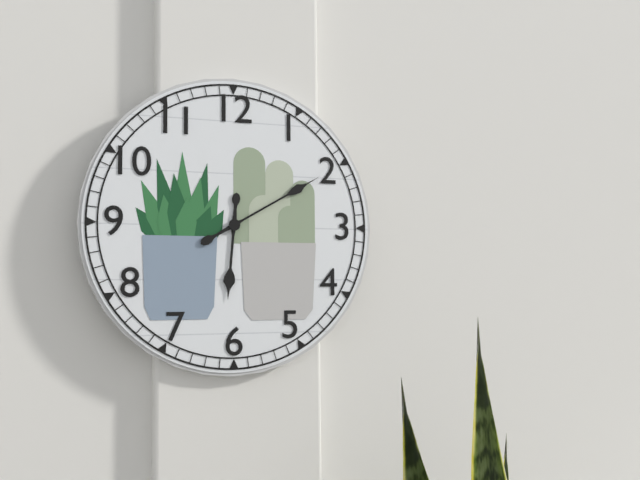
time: 6:10
